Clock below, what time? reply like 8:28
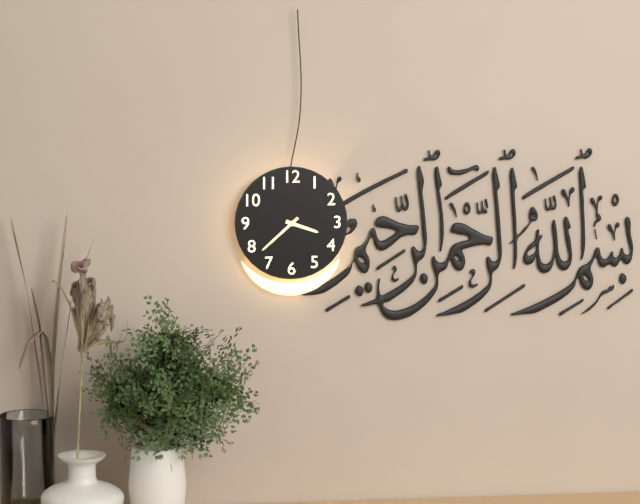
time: 3:38
